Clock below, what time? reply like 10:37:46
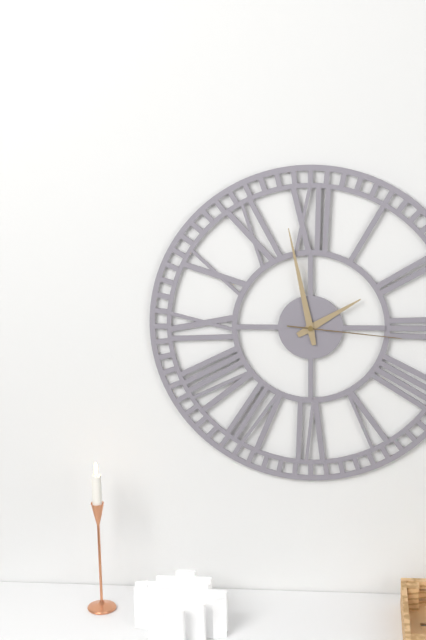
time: 1:58:16
